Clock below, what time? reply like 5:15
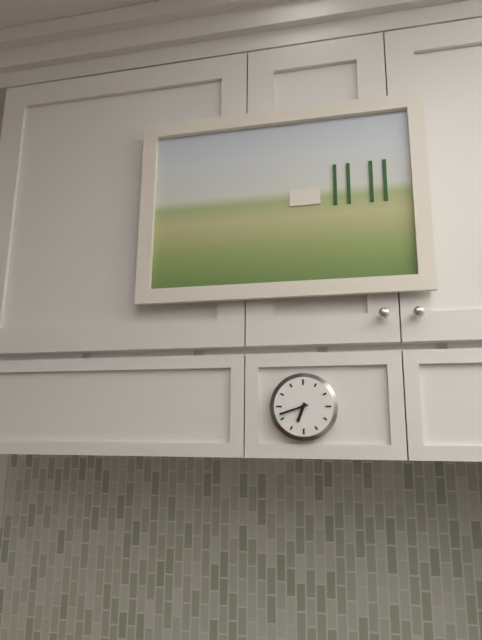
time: 6:42
